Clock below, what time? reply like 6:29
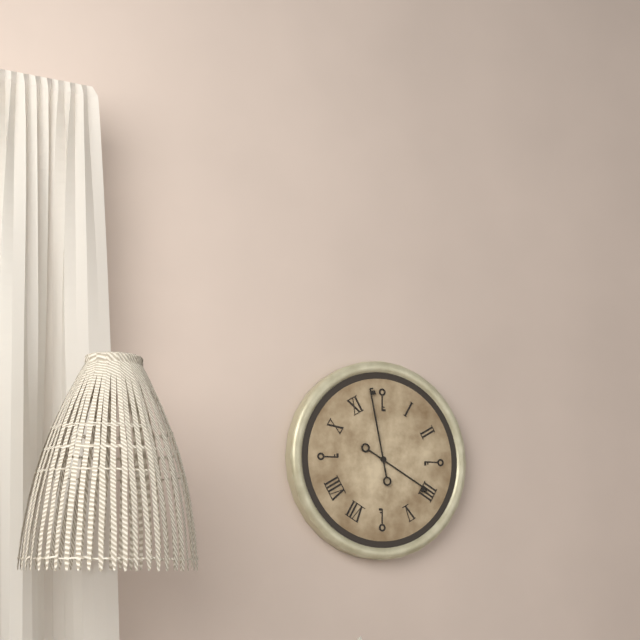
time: 3:58
